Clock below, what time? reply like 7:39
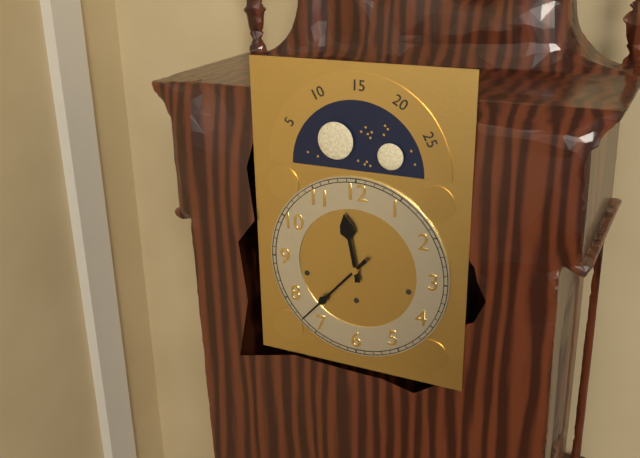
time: 11:37
